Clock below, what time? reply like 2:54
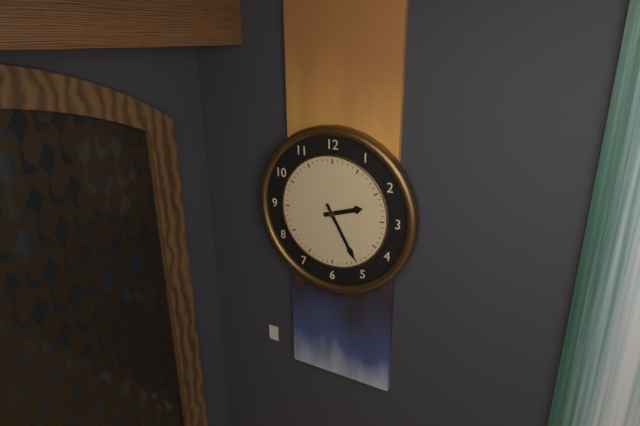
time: 2:25
